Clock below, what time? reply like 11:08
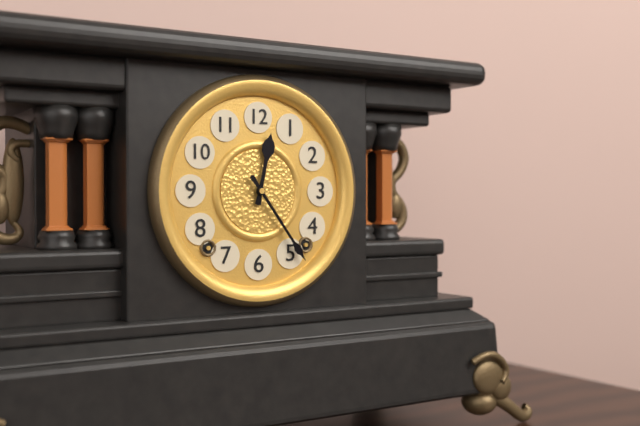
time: 12:24
